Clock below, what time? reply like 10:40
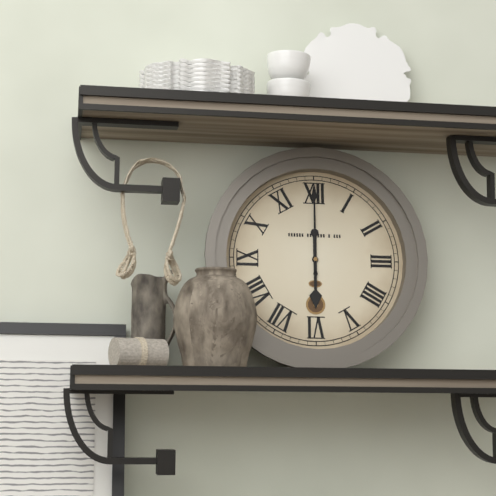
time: 6:00
